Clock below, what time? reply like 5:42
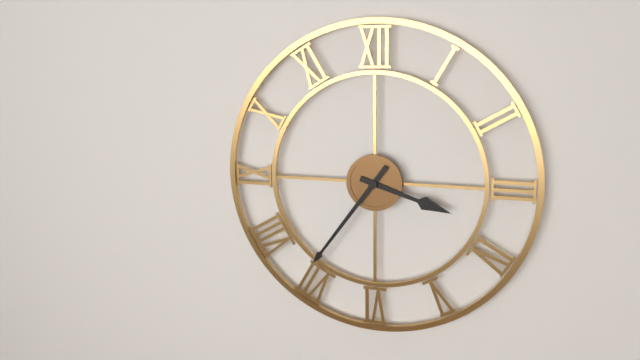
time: 3:36
